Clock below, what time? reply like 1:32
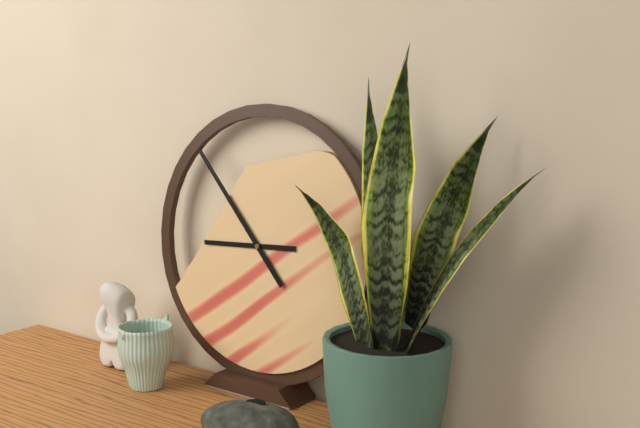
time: 8:53
